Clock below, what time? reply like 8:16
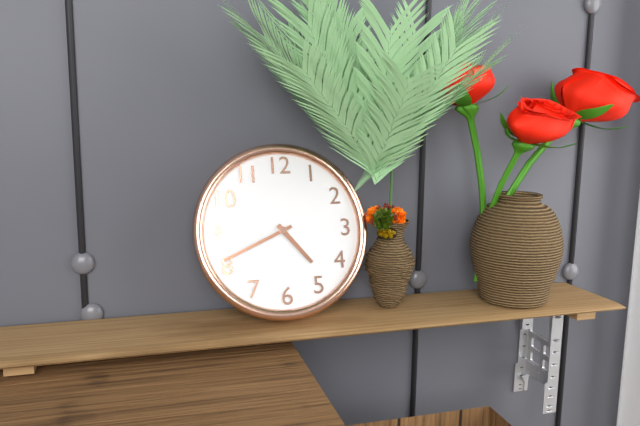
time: 4:41
